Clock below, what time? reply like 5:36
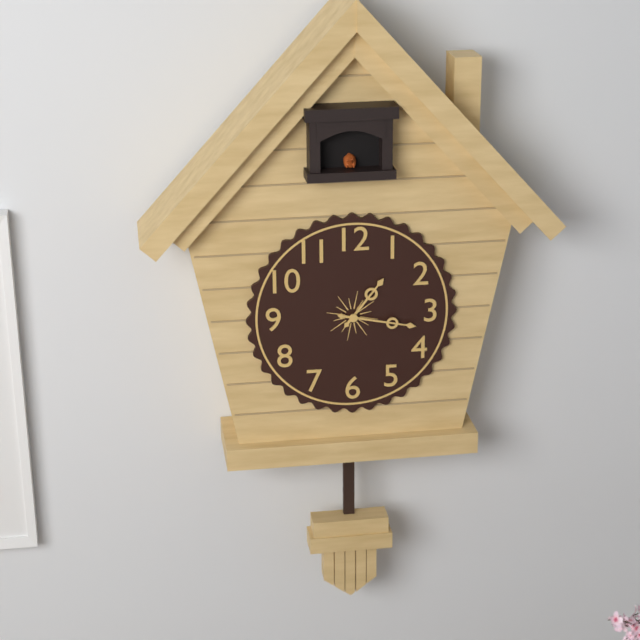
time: 1:17
